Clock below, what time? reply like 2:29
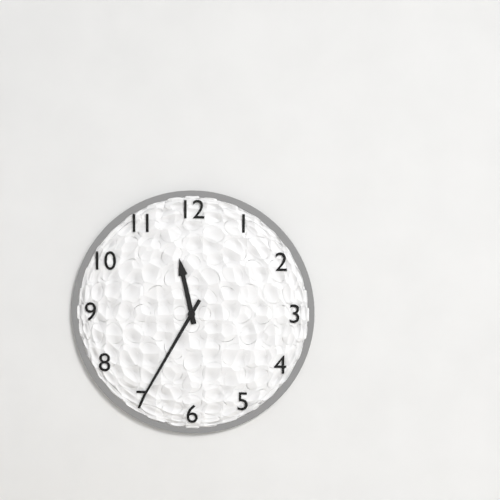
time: 11:35
